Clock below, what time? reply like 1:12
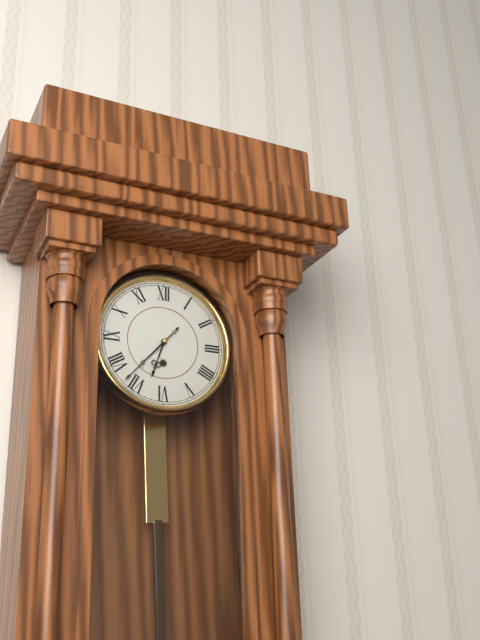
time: 6:37
